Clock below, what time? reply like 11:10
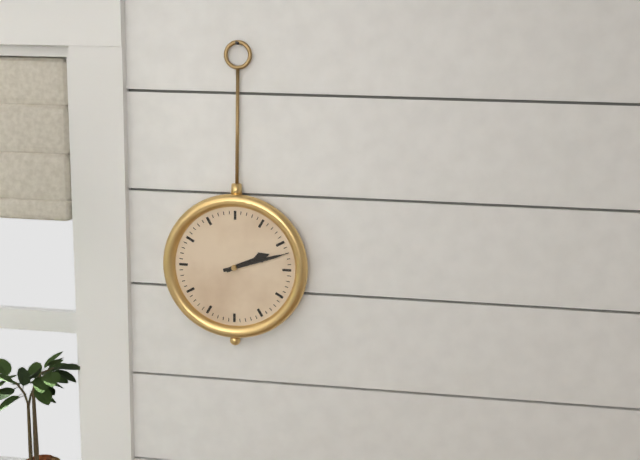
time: 2:12
